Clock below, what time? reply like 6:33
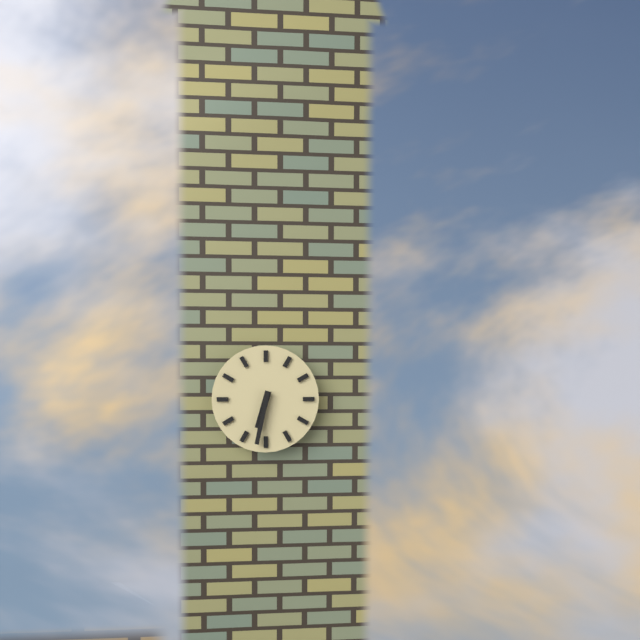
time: 6:32
